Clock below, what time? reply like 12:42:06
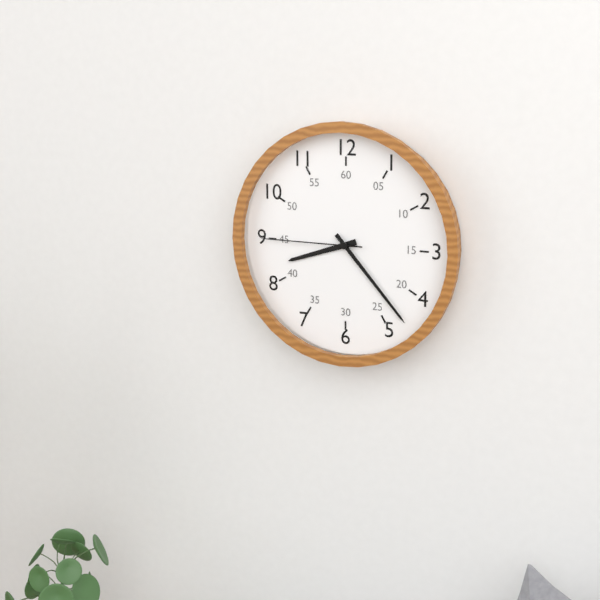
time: 8:23:45
